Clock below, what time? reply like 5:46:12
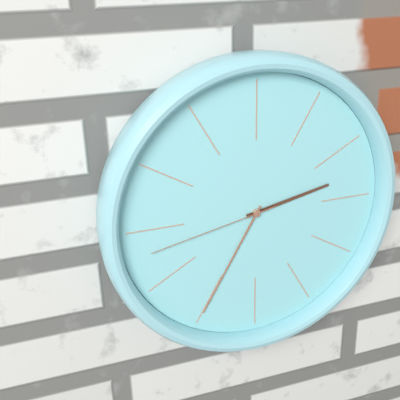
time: 2:35:43
